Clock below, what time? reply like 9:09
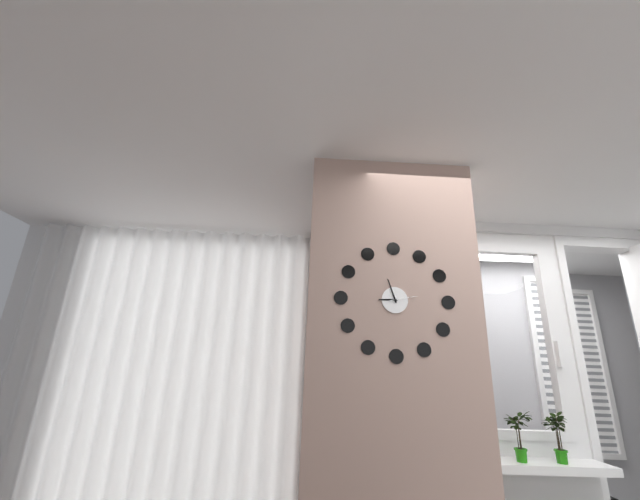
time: 8:57
